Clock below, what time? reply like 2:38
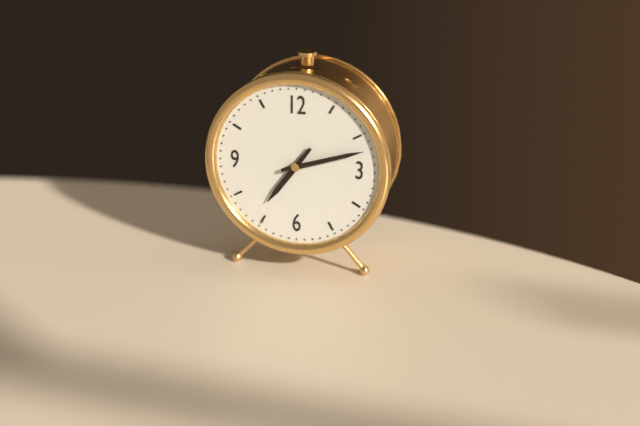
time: 7:12
